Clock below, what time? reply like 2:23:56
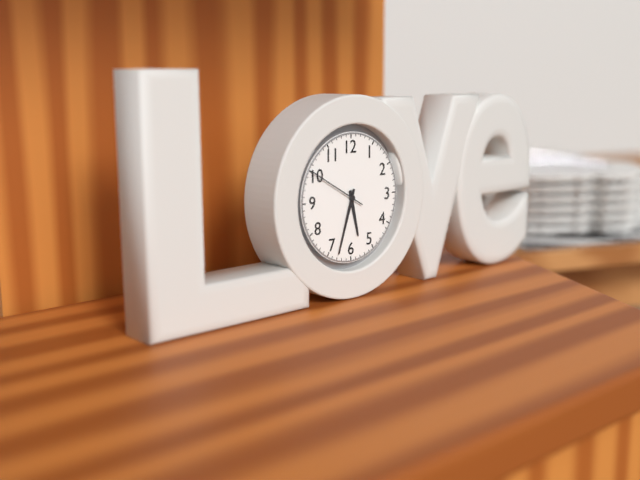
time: 5:33:50
